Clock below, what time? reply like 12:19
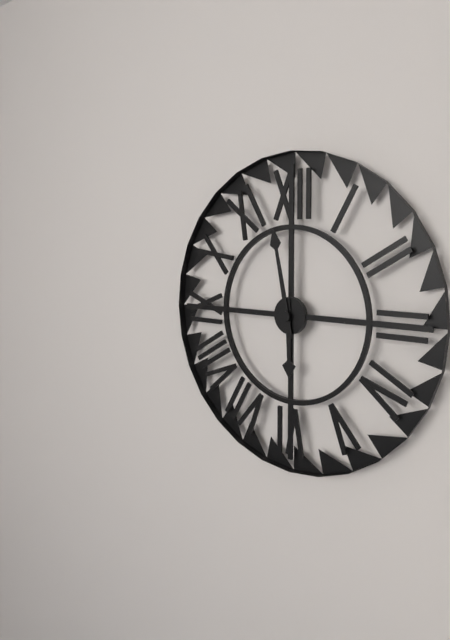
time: 5:58
